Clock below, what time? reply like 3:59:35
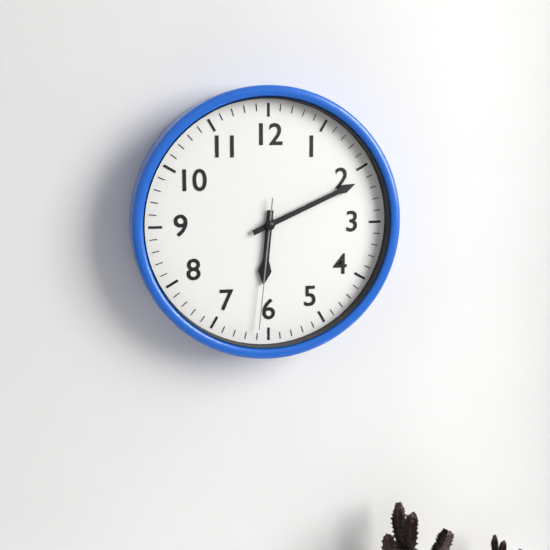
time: 6:11:31
